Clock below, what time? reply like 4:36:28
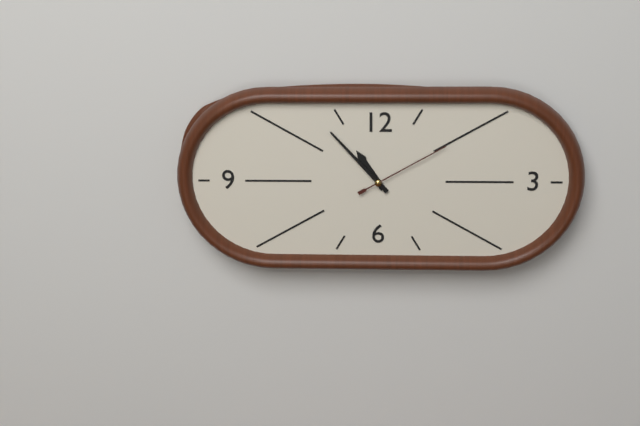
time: 10:53:10
